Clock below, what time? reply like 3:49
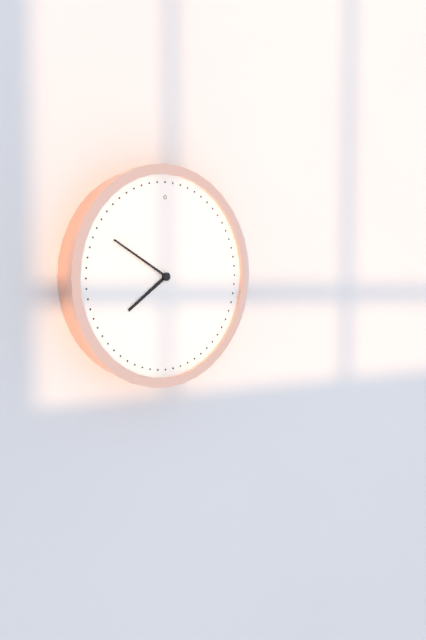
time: 7:50
